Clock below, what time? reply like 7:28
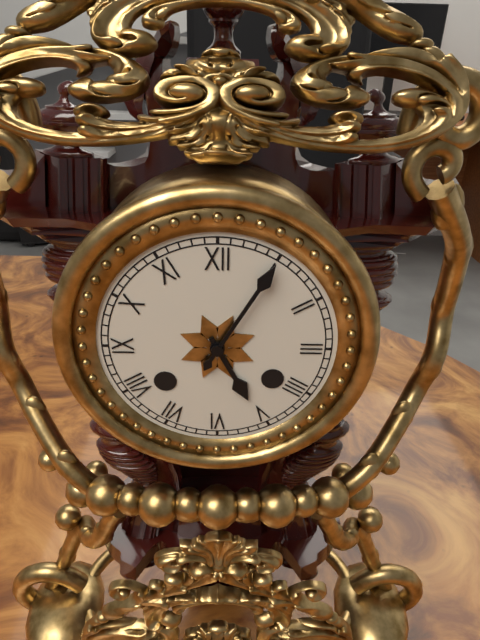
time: 5:05
